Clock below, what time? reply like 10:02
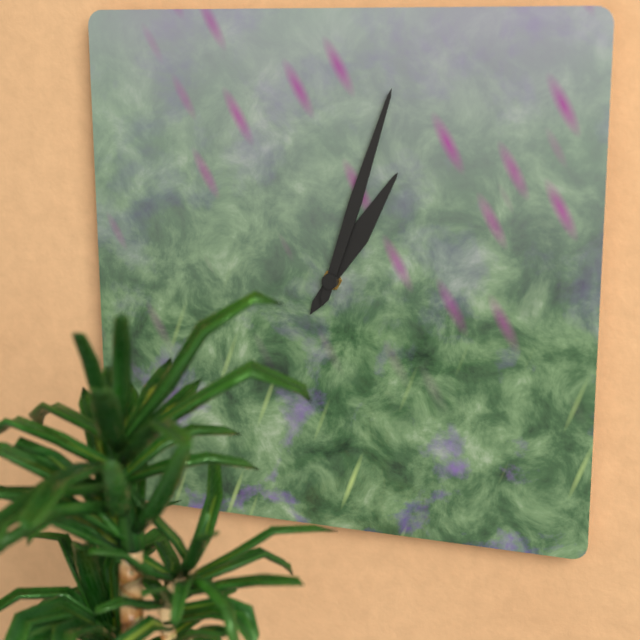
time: 1:03
